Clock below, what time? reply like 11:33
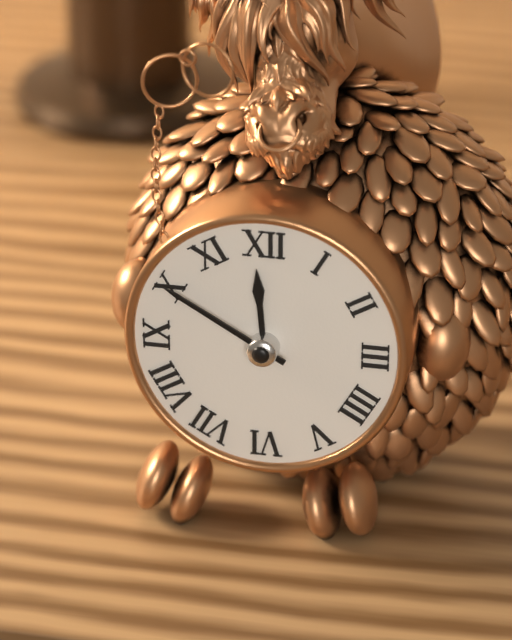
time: 11:50
